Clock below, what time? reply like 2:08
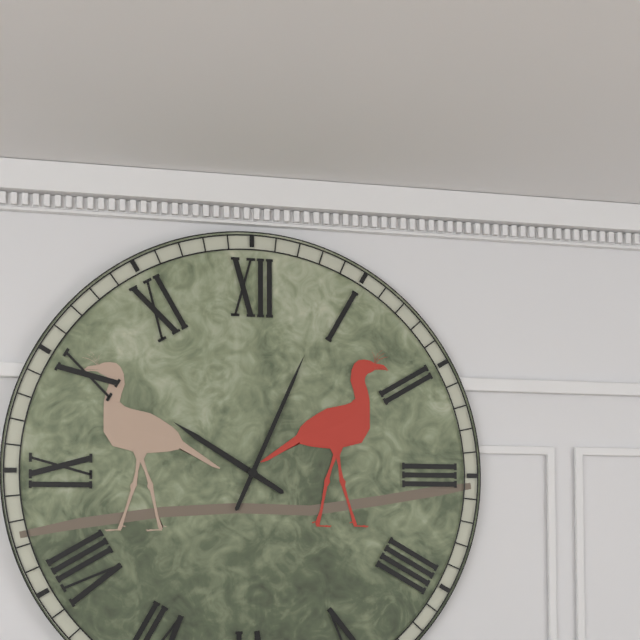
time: 10:04
